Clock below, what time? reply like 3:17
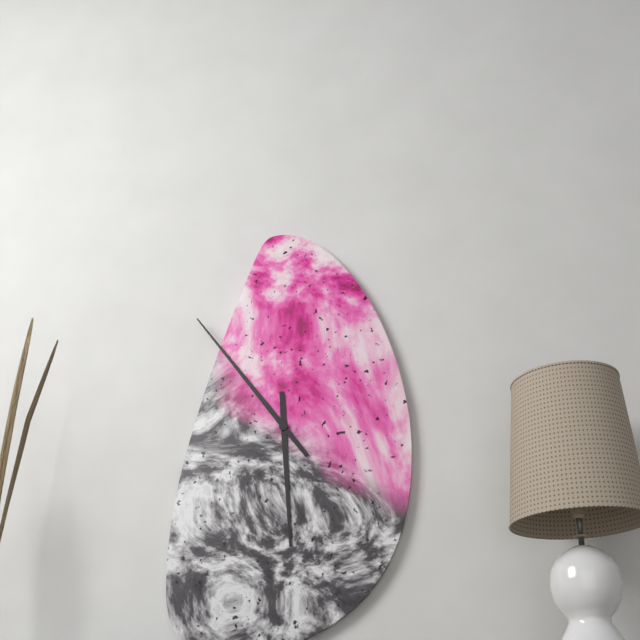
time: 5:54
